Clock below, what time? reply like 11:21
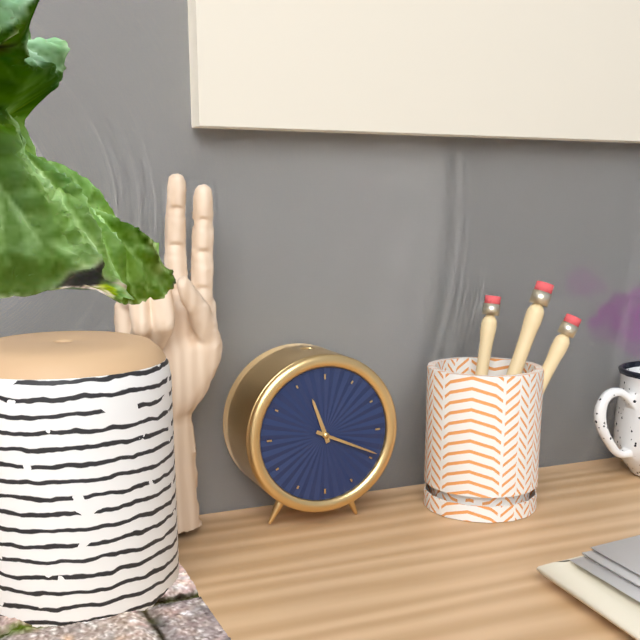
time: 11:19
